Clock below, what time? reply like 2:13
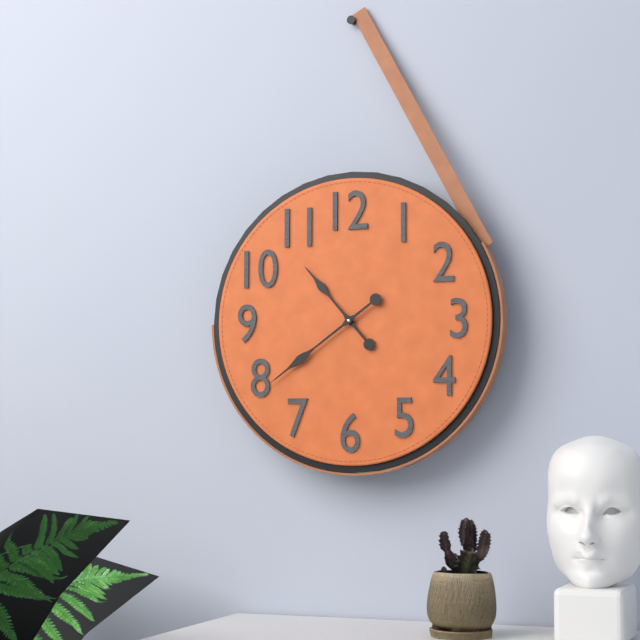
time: 10:39
